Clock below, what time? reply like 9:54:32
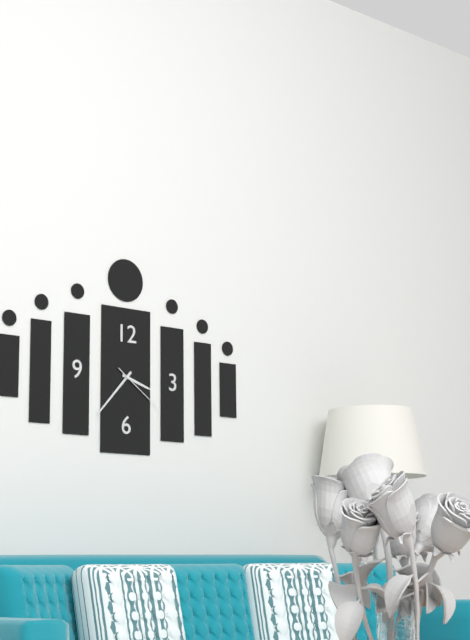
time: 3:37:21
